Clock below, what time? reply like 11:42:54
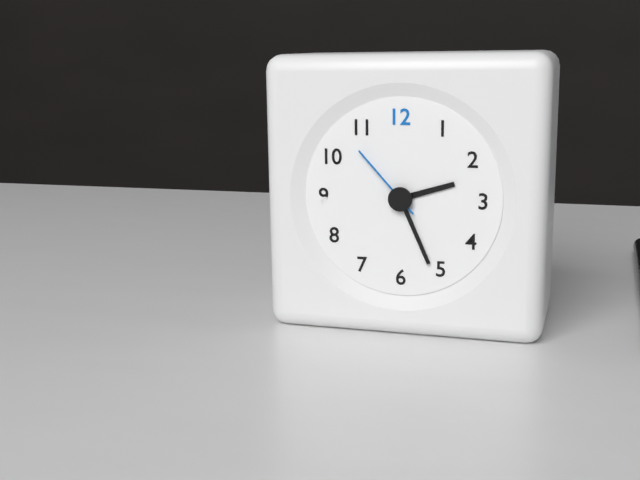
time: 2:26:53
